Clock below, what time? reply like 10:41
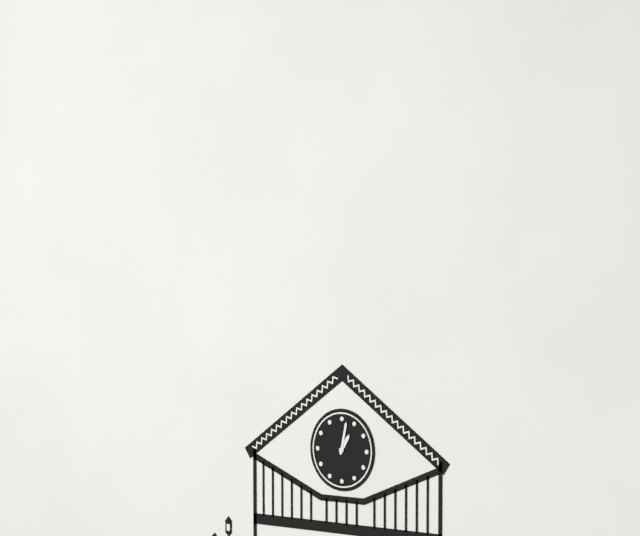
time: 1:02
